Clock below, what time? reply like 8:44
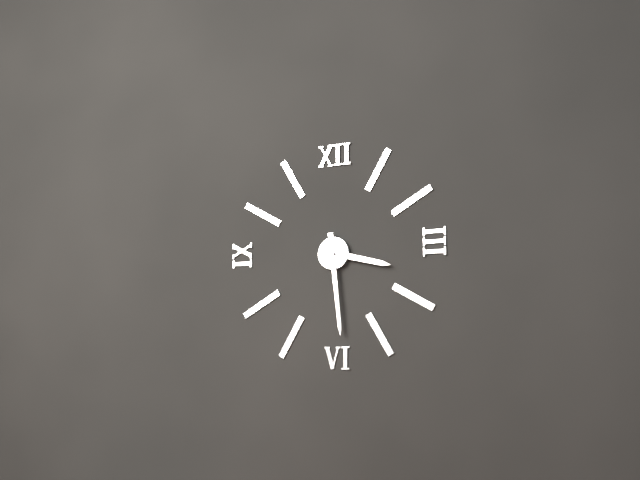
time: 3:29
